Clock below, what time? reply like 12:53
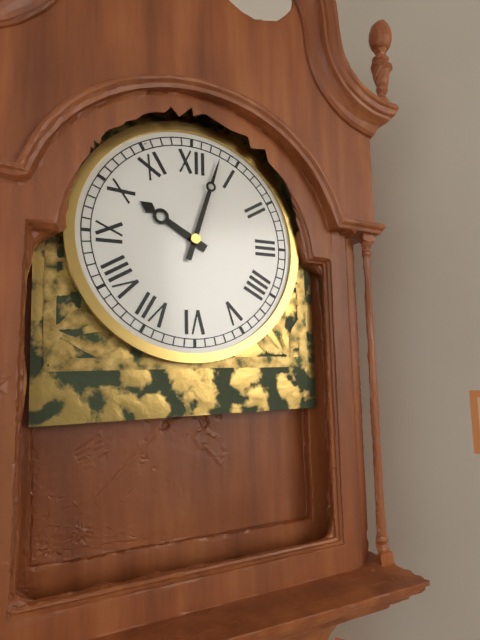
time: 10:03
